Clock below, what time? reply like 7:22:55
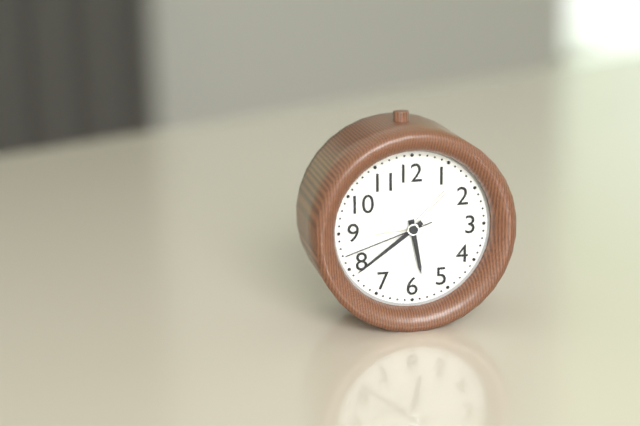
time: 5:39:42
